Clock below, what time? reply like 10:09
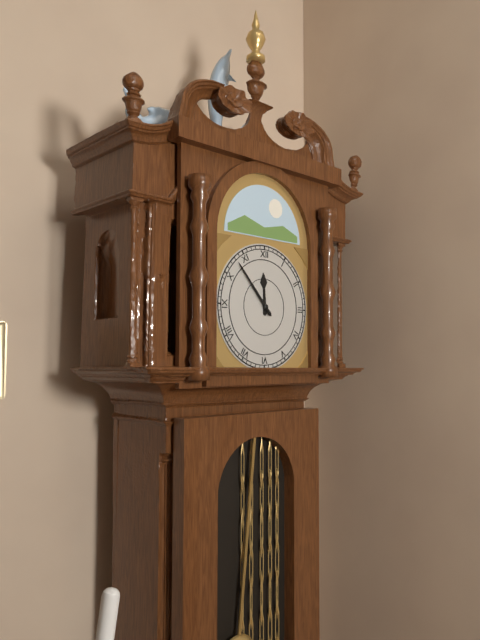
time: 11:53
